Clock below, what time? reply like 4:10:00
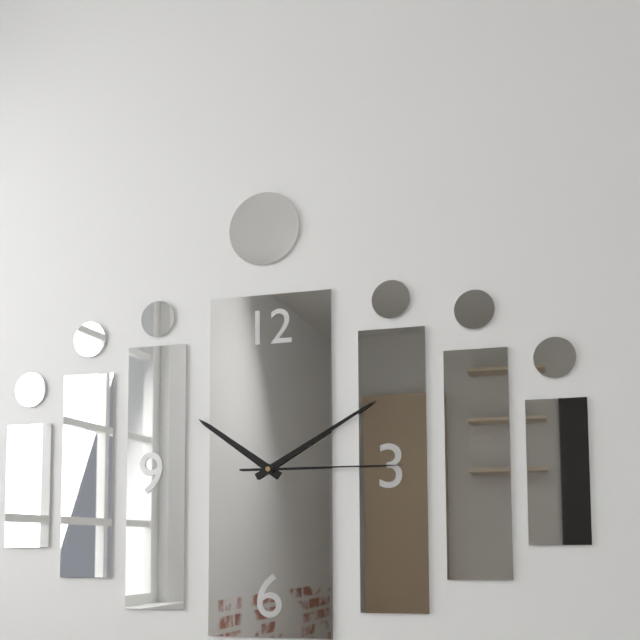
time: 10:10:15
